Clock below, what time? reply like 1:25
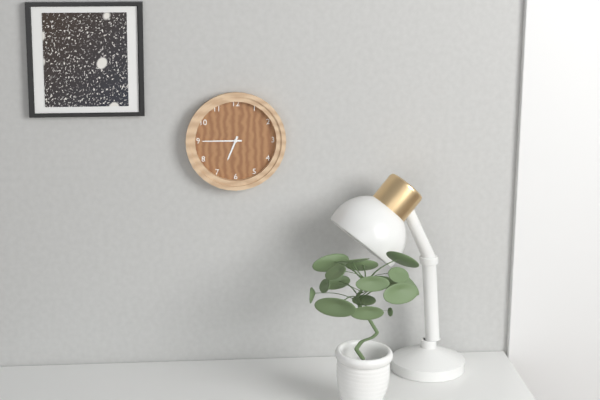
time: 6:45
